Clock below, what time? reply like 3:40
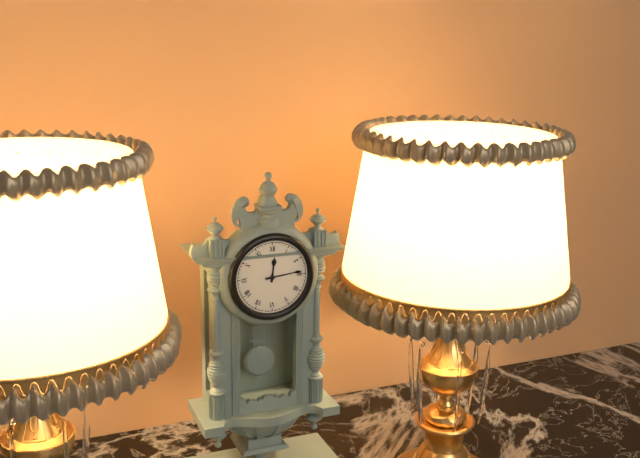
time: 12:14
